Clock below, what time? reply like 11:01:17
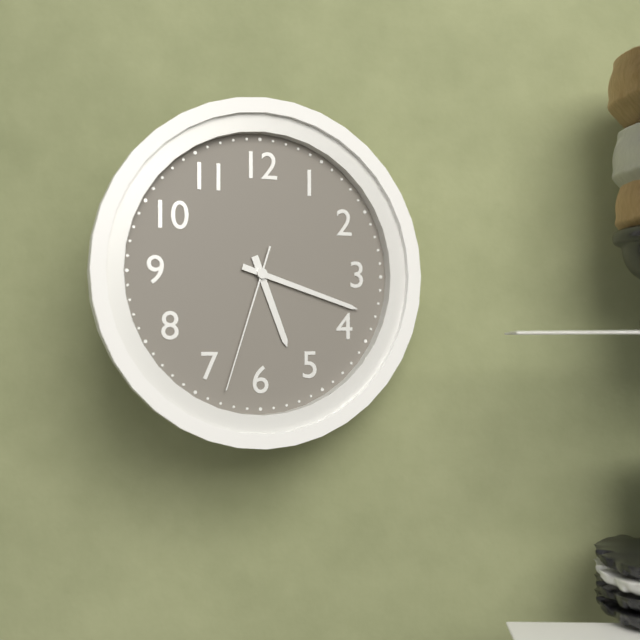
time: 5:18:33
